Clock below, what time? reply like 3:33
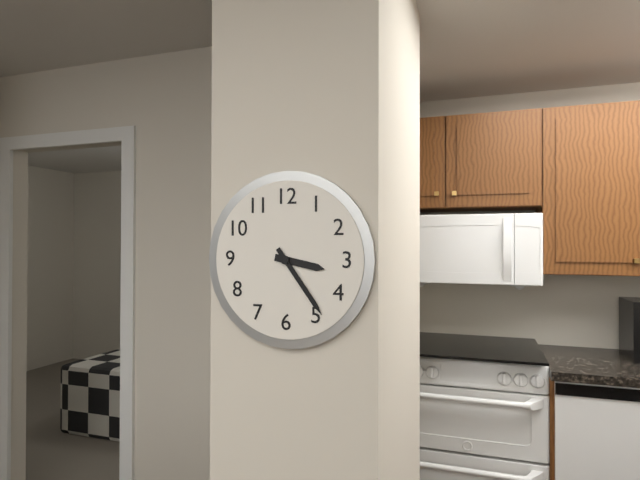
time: 3:24
